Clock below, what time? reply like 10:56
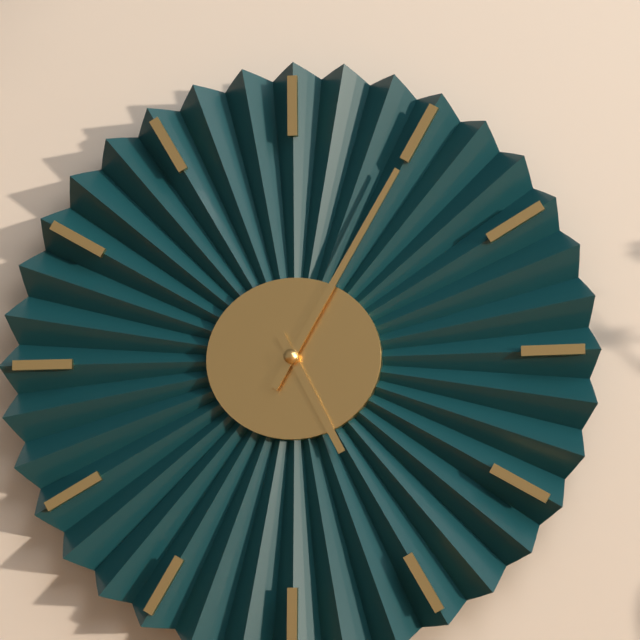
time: 5:05
